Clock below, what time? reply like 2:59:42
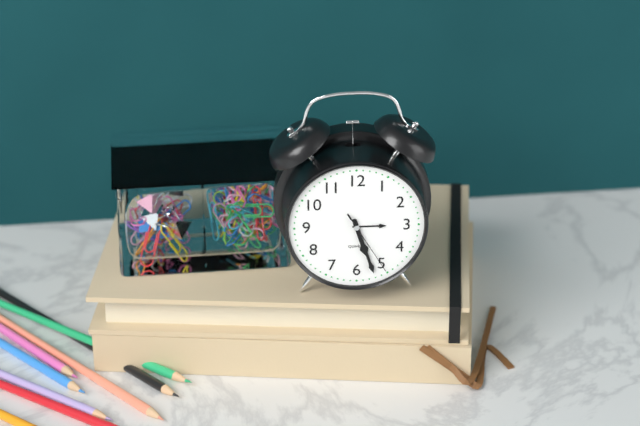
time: 5:27:25
